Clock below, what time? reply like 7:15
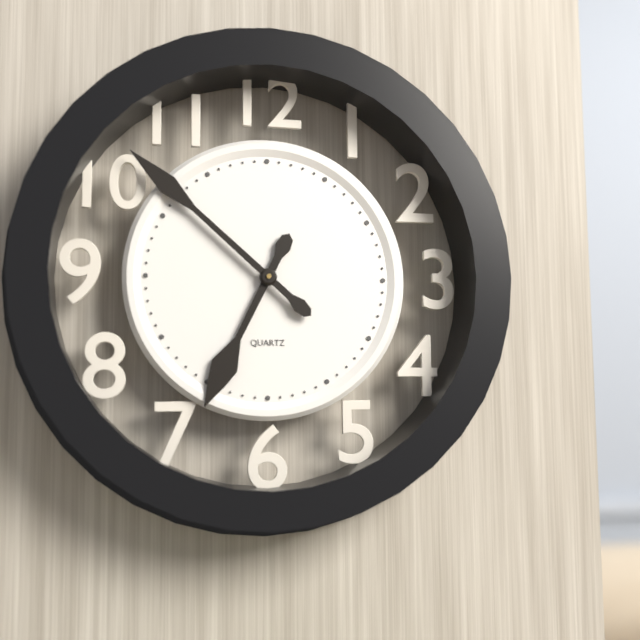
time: 6:52
